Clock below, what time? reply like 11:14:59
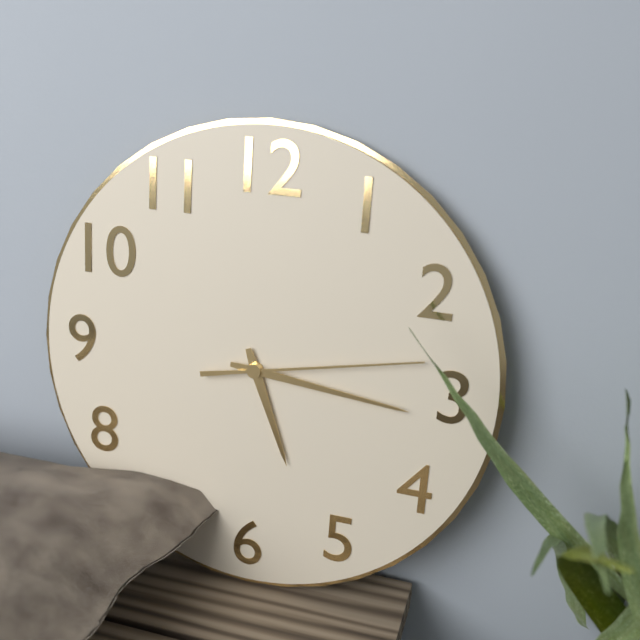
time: 5:16:13
